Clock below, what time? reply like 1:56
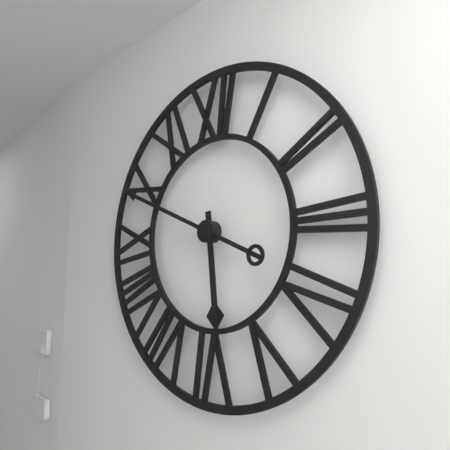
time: 5:49
